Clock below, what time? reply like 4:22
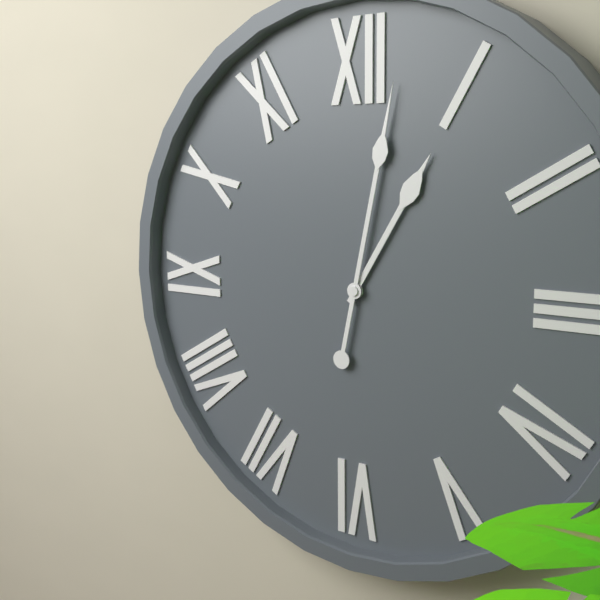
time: 1:02
